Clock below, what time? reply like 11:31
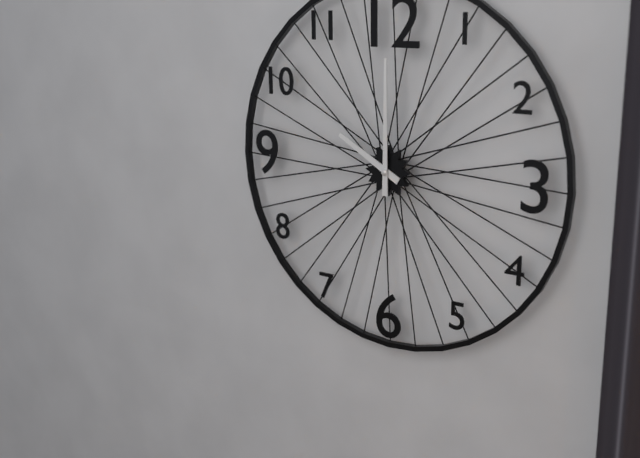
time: 10:00
